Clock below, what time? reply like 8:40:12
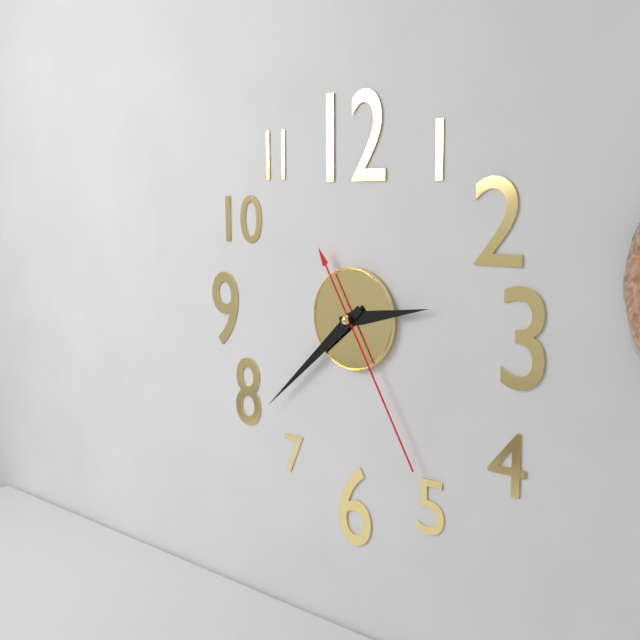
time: 2:38:25
